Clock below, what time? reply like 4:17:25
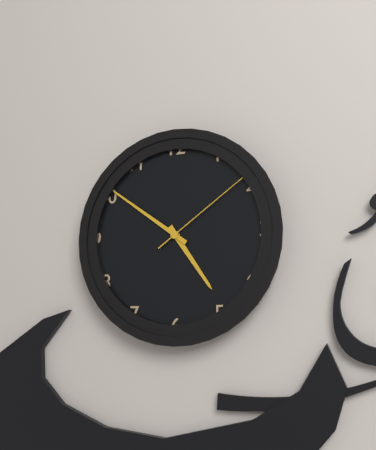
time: 4:51:09
